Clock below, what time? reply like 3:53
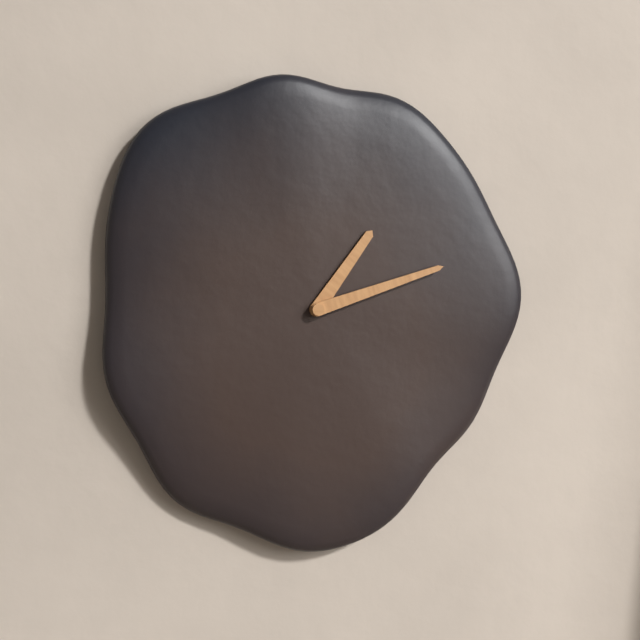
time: 1:12
